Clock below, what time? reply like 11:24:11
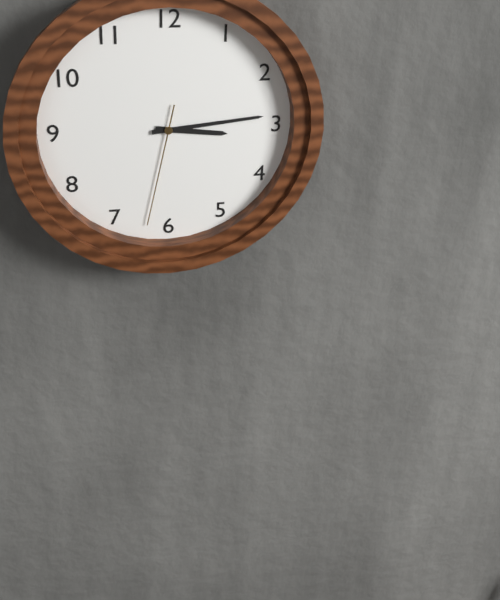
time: 3:14:32
